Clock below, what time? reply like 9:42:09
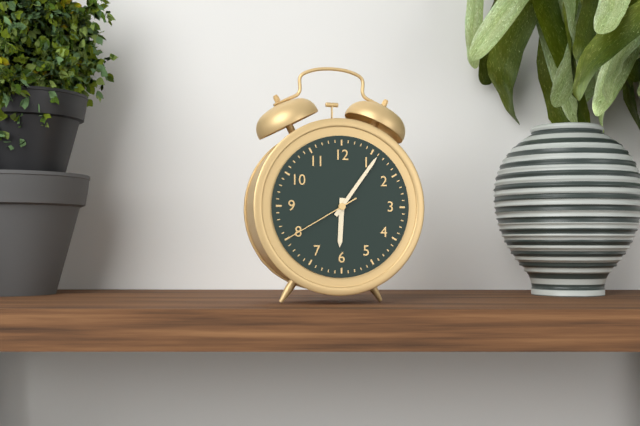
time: 6:06:40
